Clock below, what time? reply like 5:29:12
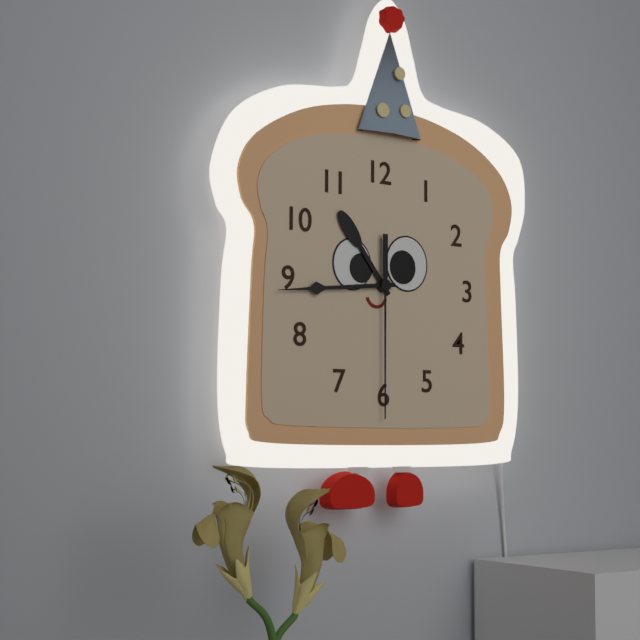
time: 10:44:30
